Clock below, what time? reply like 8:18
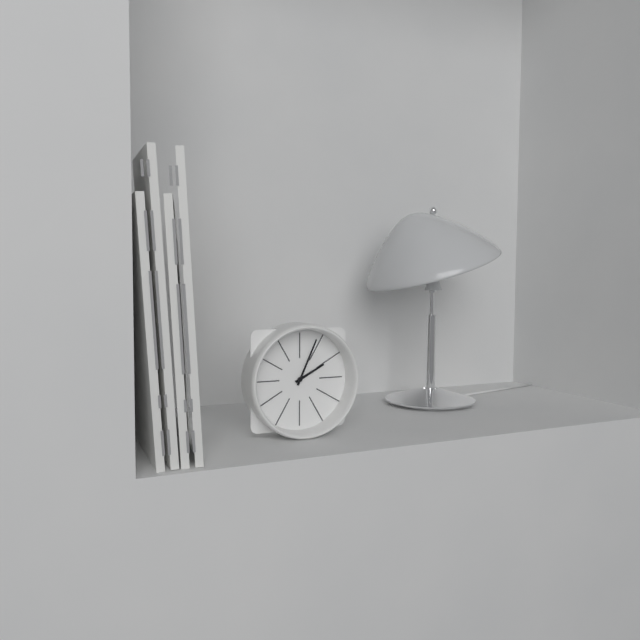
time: 2:04
